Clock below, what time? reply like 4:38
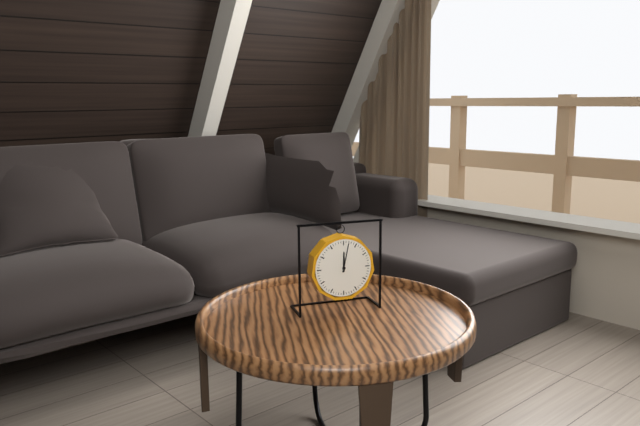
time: 12:02
